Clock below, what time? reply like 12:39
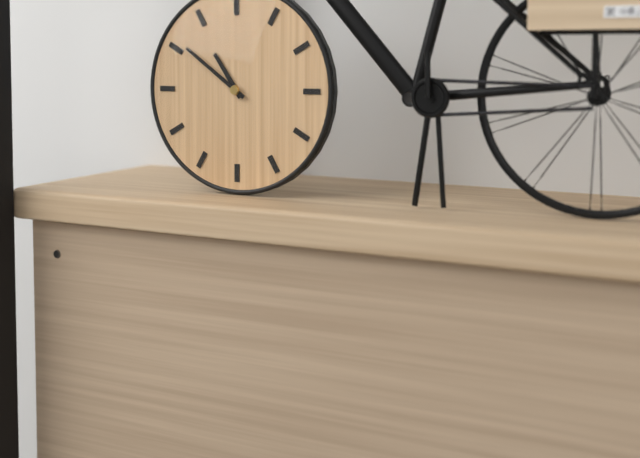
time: 10:51
